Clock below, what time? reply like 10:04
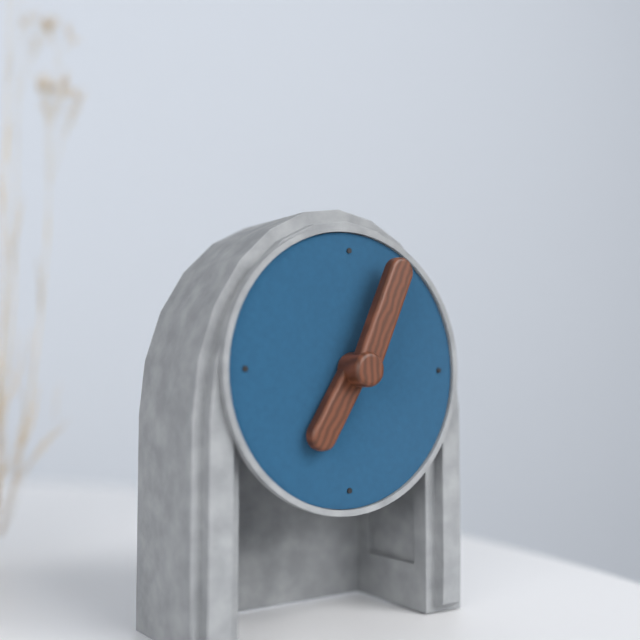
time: 7:04
